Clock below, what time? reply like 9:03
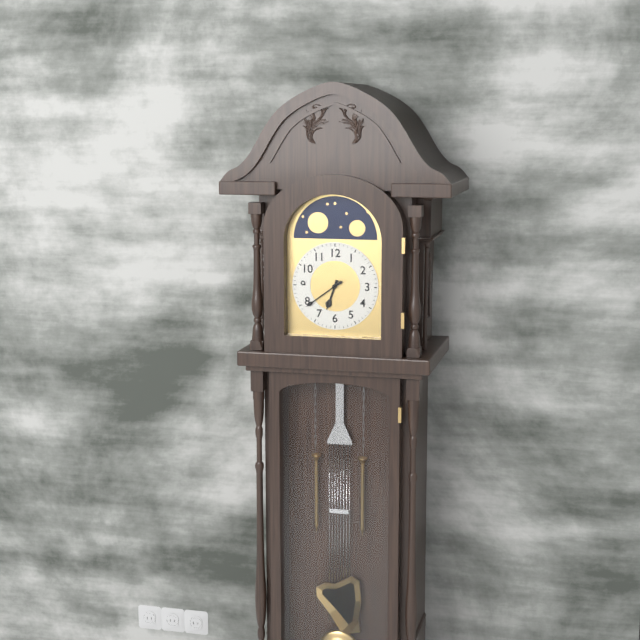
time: 6:39
